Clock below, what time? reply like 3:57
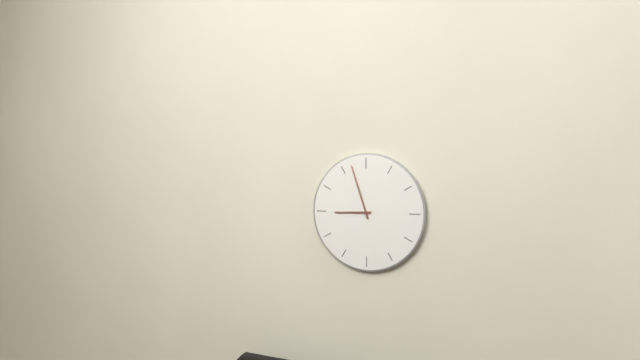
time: 8:57
